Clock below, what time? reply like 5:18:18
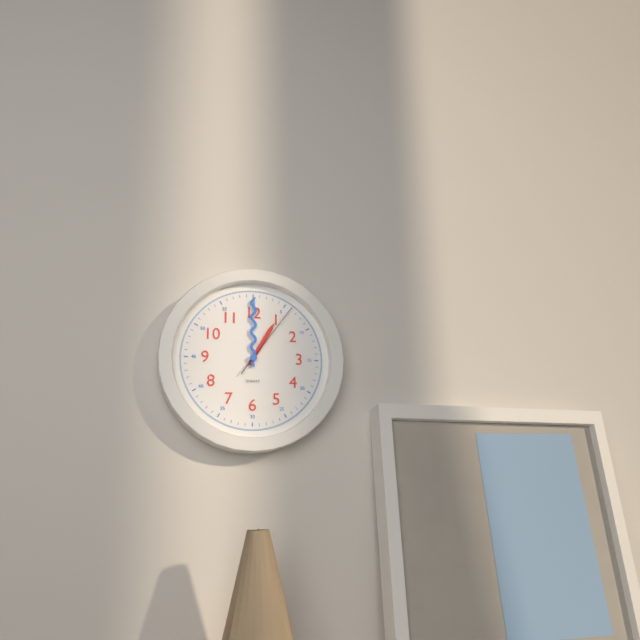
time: 1:00:06
